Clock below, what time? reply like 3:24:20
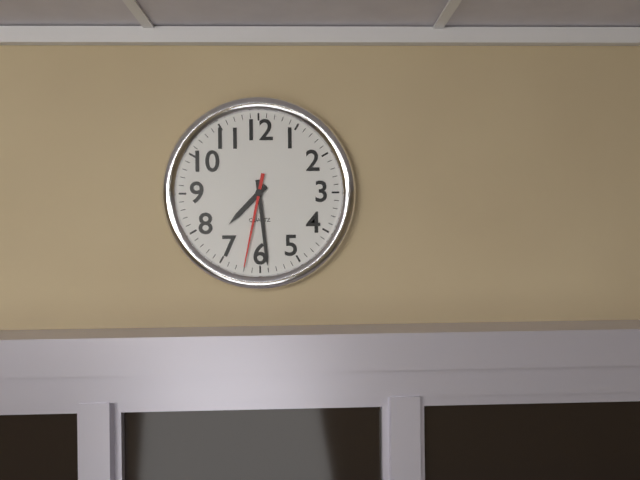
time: 7:29:32
